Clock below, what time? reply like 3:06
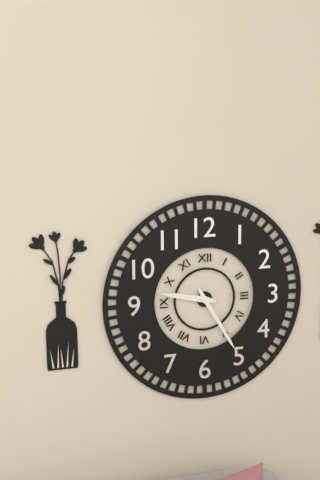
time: 9:25
